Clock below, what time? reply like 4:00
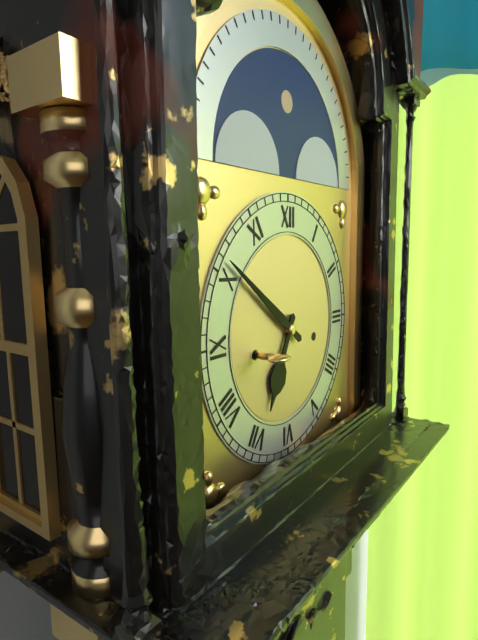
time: 6:51
